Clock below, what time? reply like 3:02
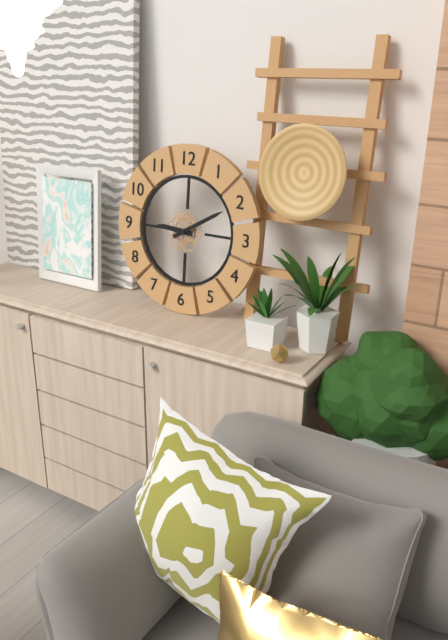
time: 9:10
